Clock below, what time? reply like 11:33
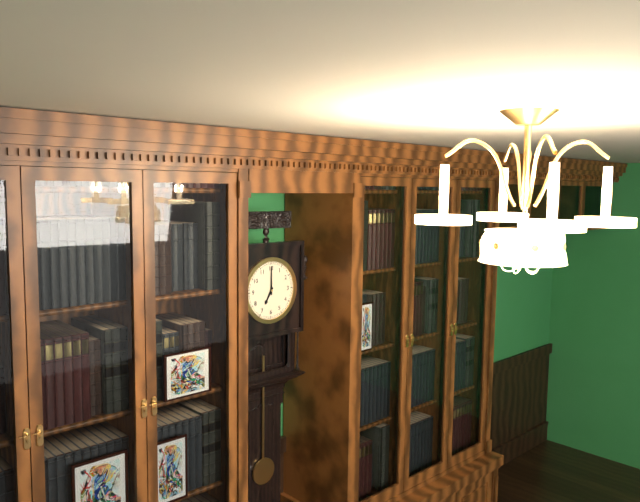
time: 7:00
